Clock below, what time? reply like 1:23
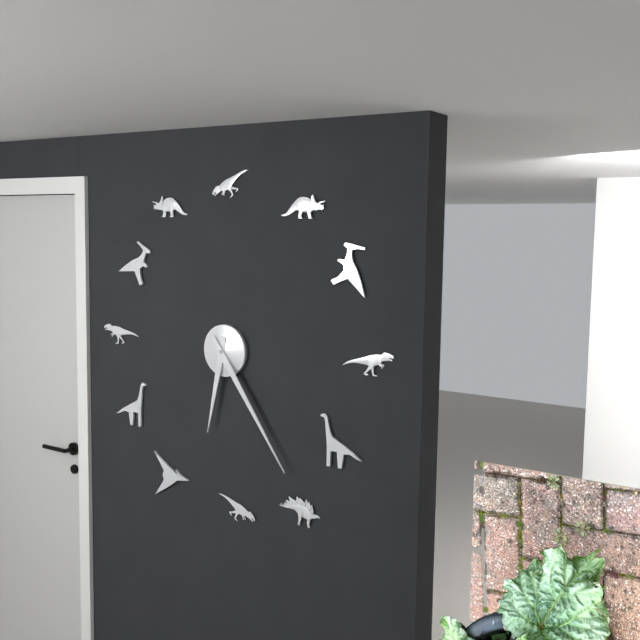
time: 6:24
